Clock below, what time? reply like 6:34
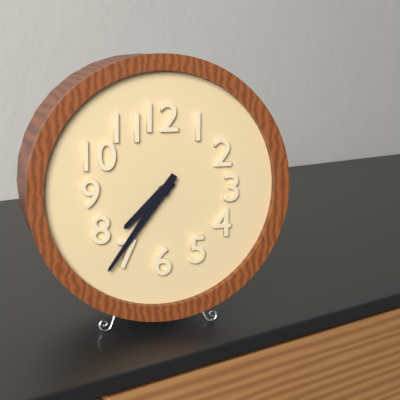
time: 7:36
